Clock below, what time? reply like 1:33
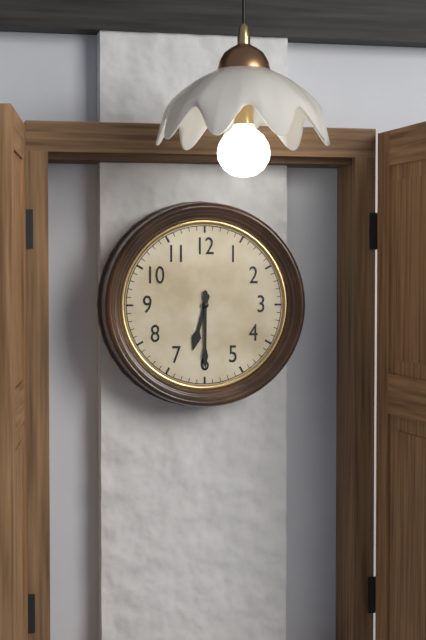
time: 6:30
